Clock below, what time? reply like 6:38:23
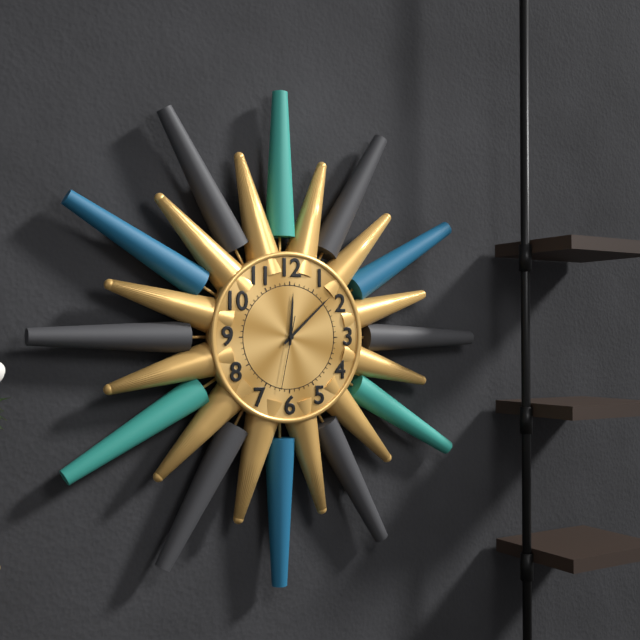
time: 12:08:32
